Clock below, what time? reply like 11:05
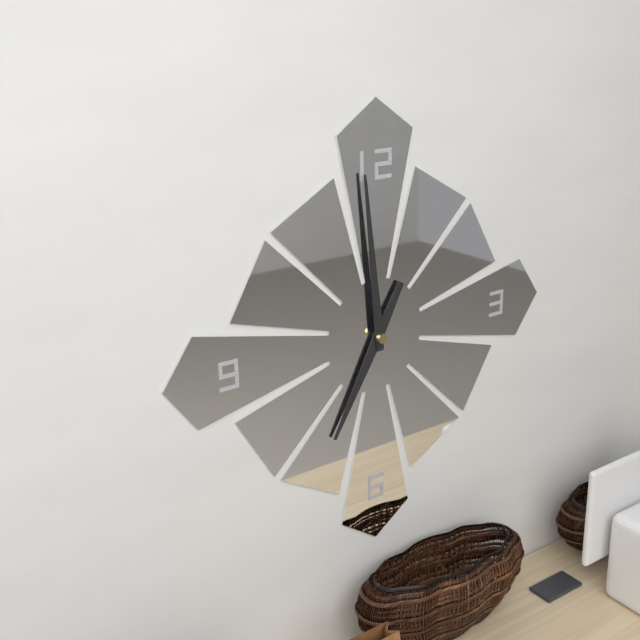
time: 6:59
